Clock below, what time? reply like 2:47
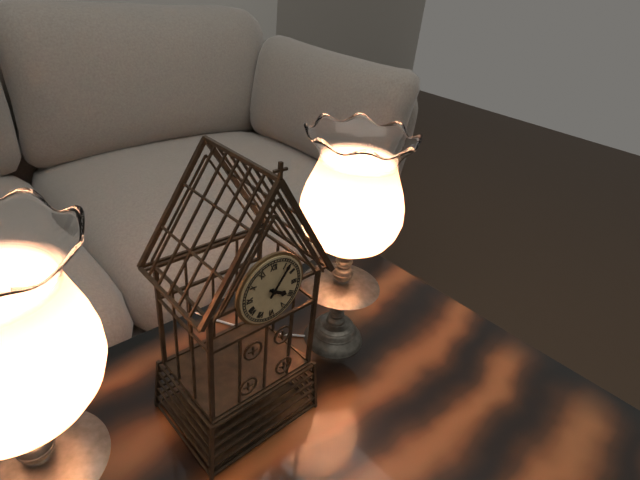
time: 4:06
